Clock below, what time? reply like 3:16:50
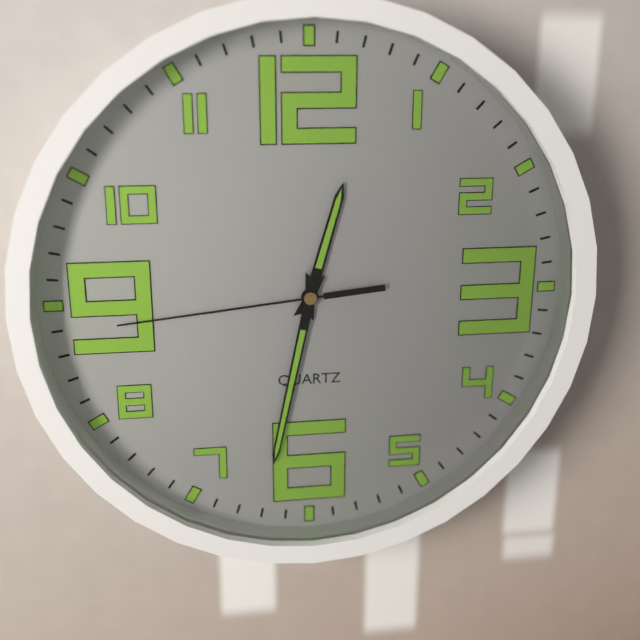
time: 12:32:44
